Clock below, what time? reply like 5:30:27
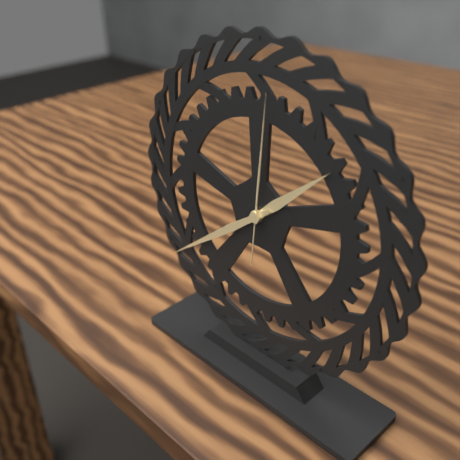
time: 1:39:01
